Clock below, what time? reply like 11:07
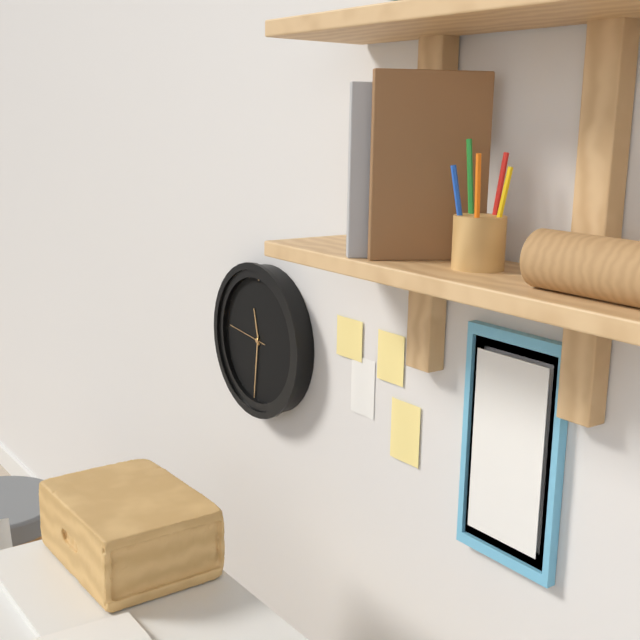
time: 11:31
